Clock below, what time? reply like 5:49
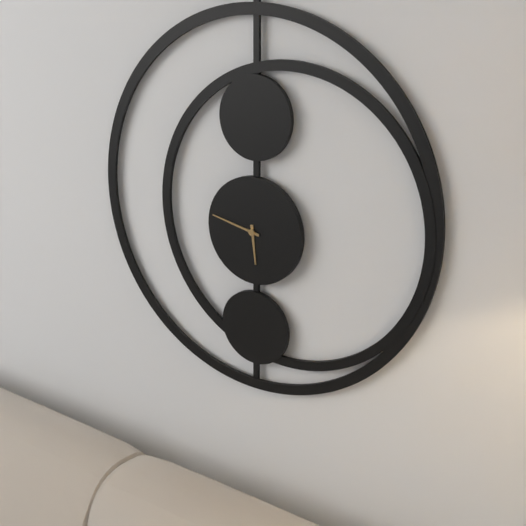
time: 5:47
